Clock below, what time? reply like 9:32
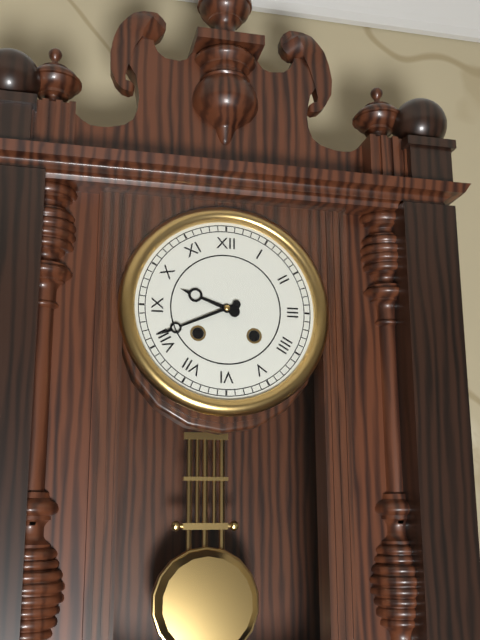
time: 9:41
